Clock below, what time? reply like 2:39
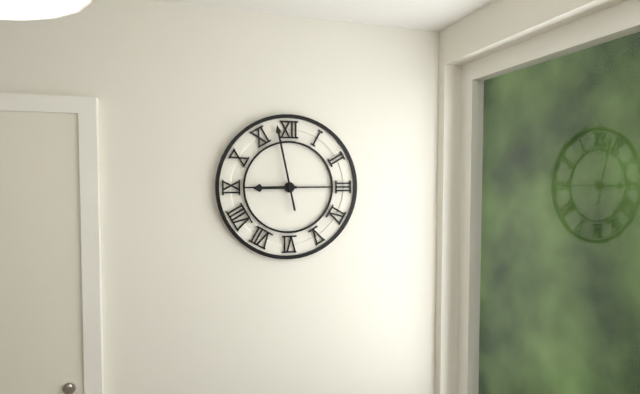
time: 8:58
